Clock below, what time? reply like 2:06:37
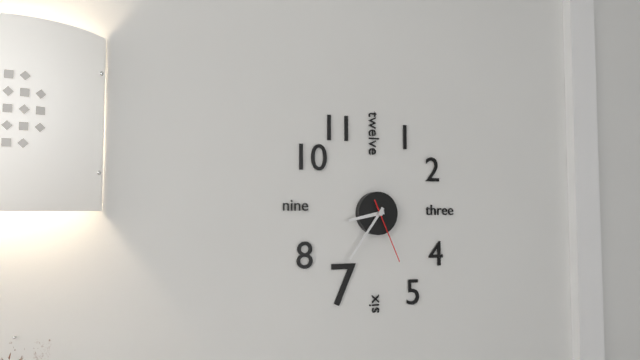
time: 8:36:26
